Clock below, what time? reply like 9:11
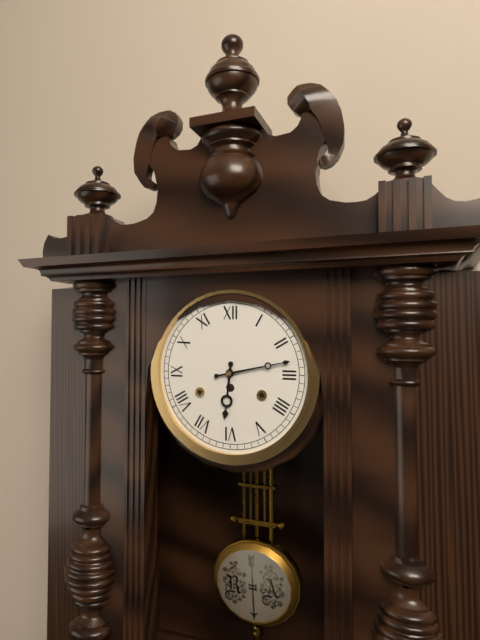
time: 6:13
